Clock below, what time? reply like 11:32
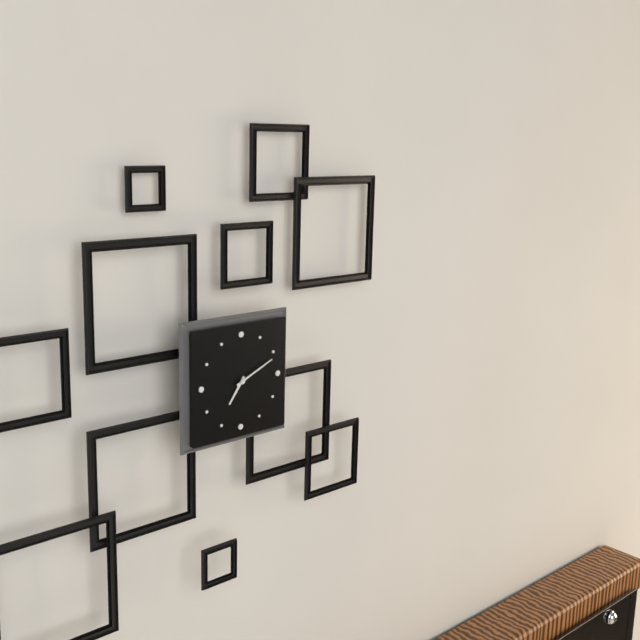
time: 7:11
